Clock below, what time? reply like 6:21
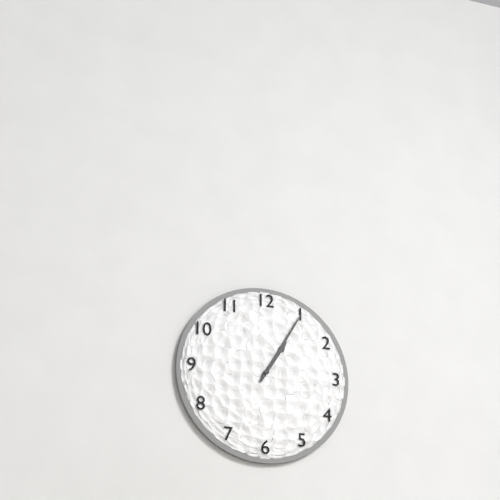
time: 1:05
